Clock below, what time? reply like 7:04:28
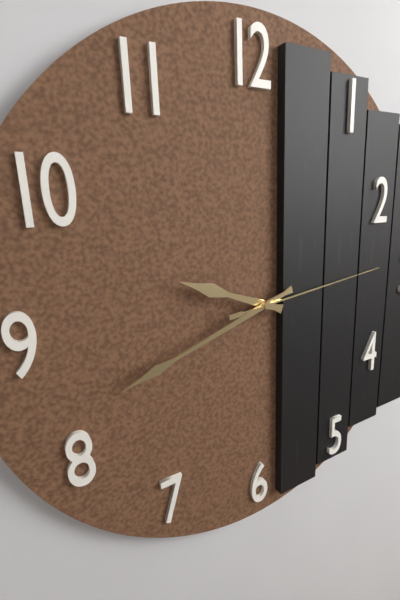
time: 9:42:14
